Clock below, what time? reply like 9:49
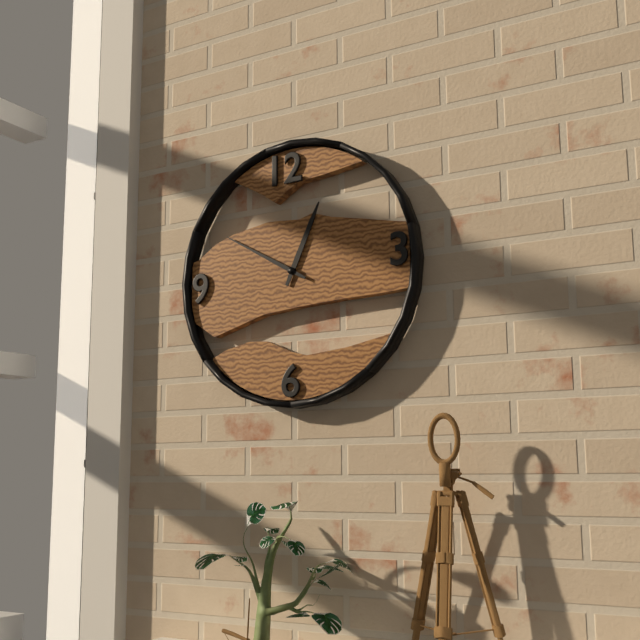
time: 12:50
